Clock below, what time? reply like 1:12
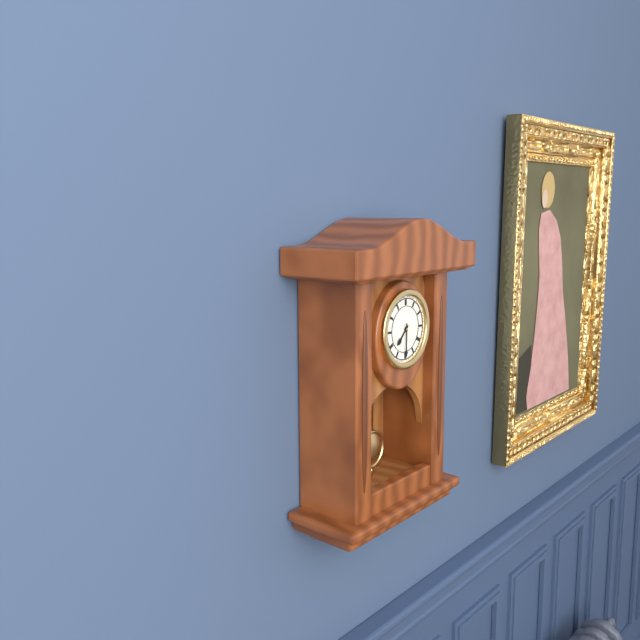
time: 7:30
